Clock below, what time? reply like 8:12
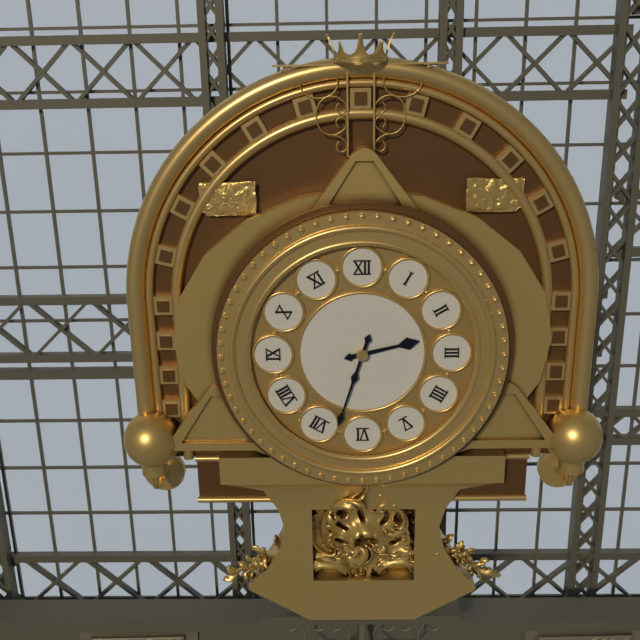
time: 2:33
